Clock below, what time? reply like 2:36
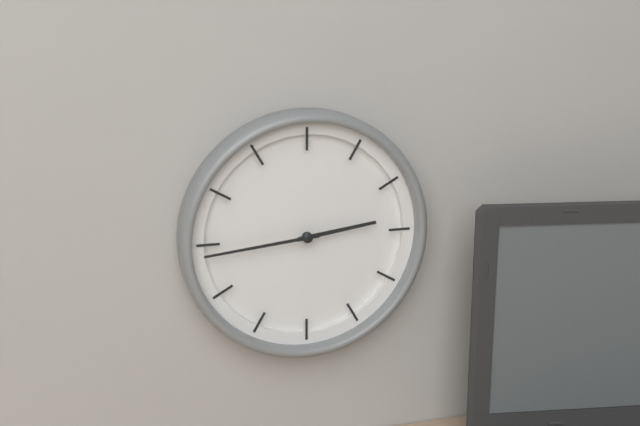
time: 2:44
